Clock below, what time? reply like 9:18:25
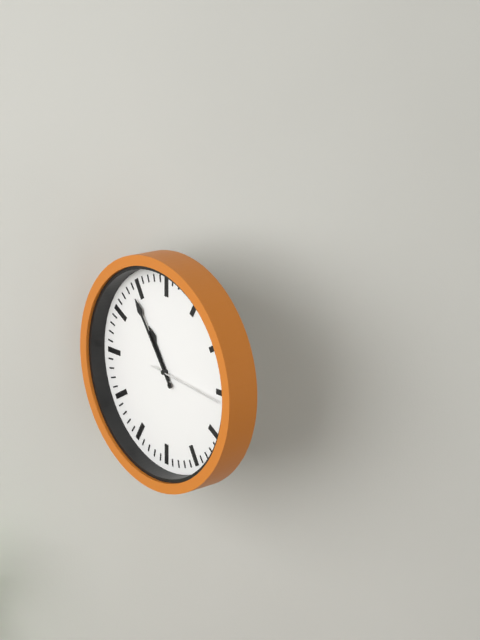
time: 10:54:16
